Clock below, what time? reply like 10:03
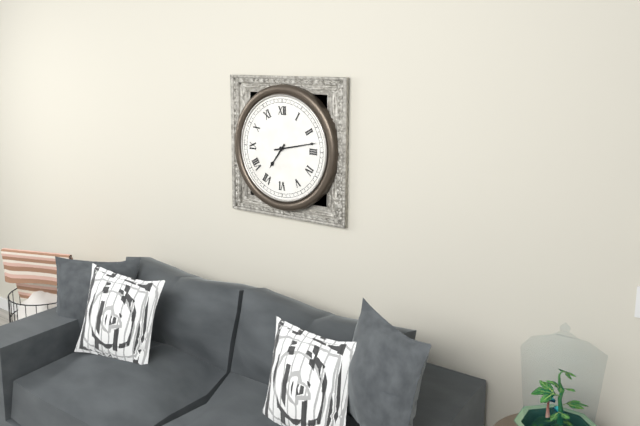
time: 7:13
